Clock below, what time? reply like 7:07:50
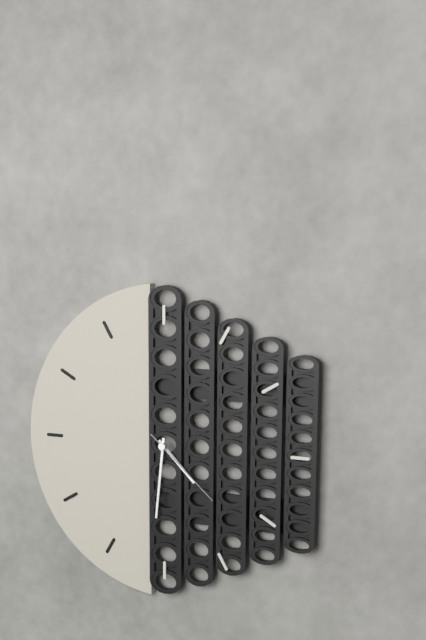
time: 4:31:22
